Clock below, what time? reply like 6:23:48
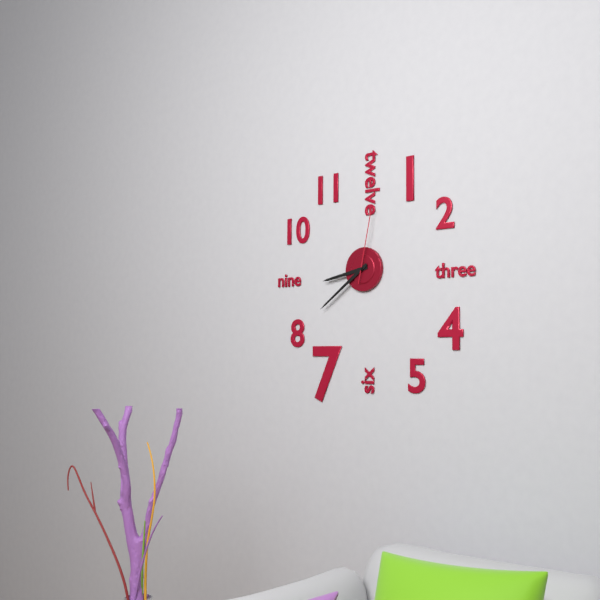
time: 8:39:02
